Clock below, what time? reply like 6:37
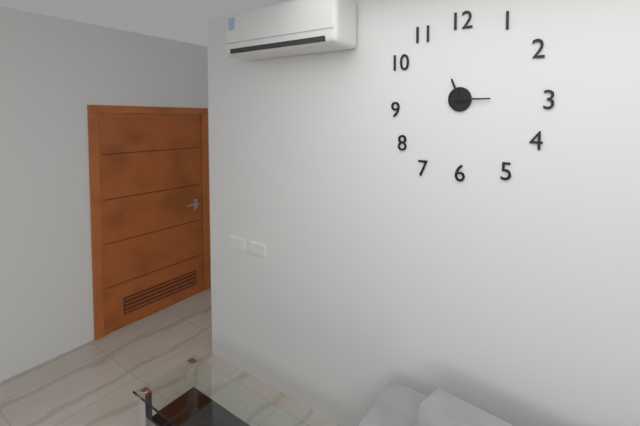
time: 11:15
